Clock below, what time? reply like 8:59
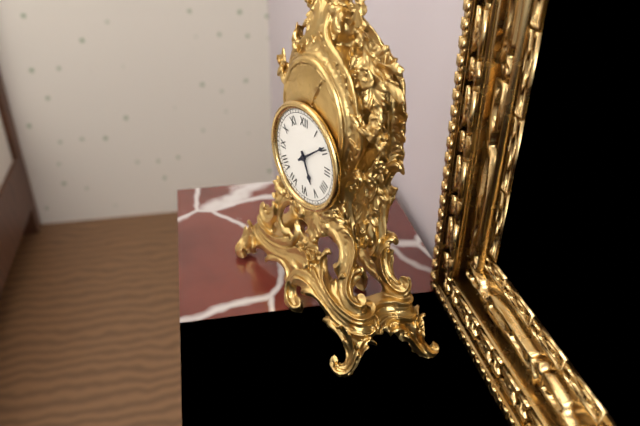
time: 5:09
